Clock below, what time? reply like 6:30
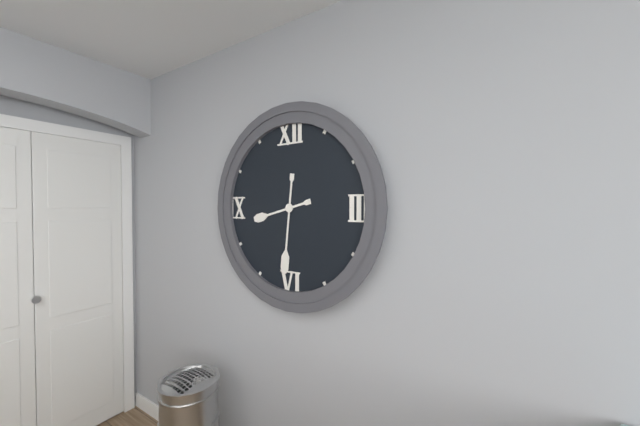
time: 8:31
